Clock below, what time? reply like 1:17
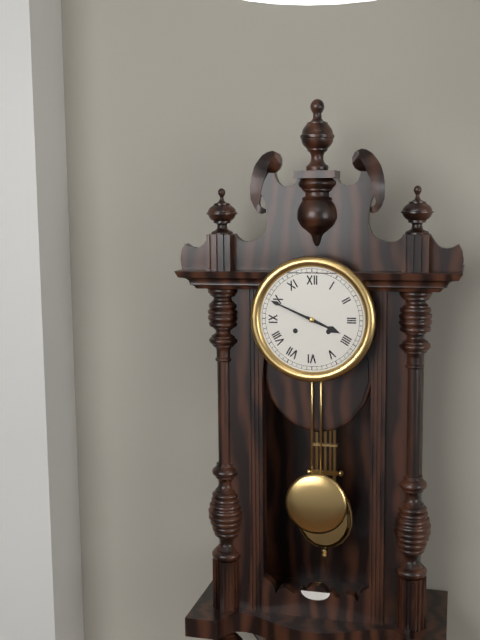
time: 3:49
